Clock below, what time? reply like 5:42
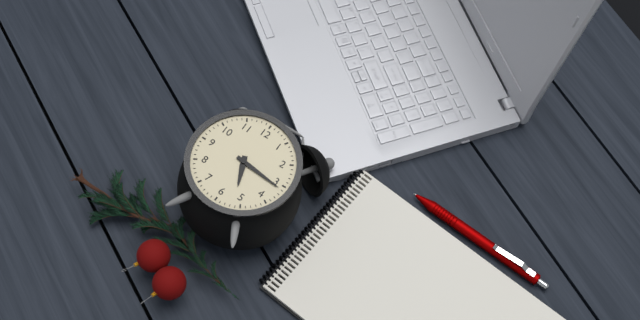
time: 5:16
